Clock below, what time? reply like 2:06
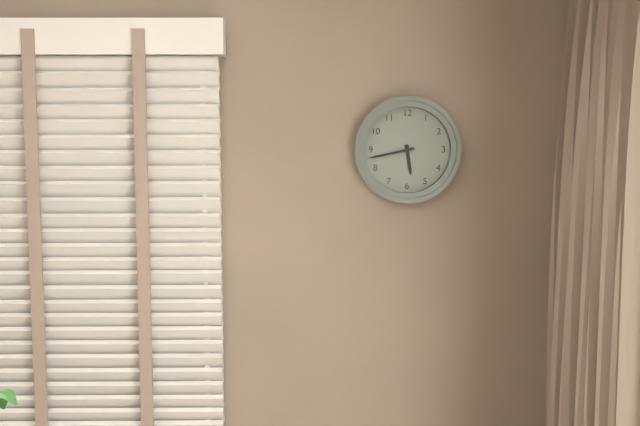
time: 5:43
